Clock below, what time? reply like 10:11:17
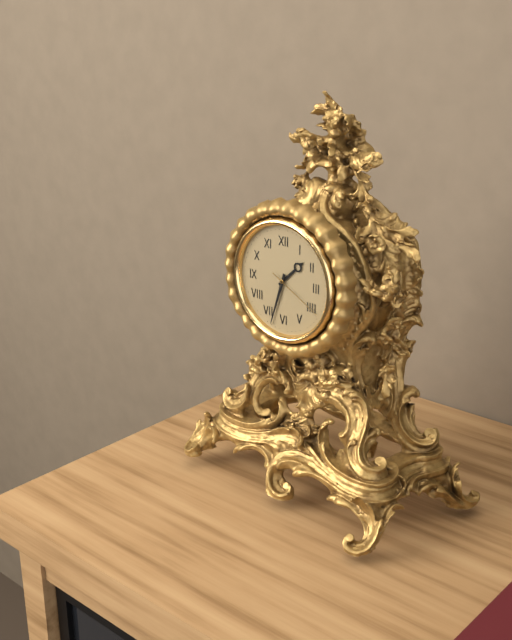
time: 1:33:20
